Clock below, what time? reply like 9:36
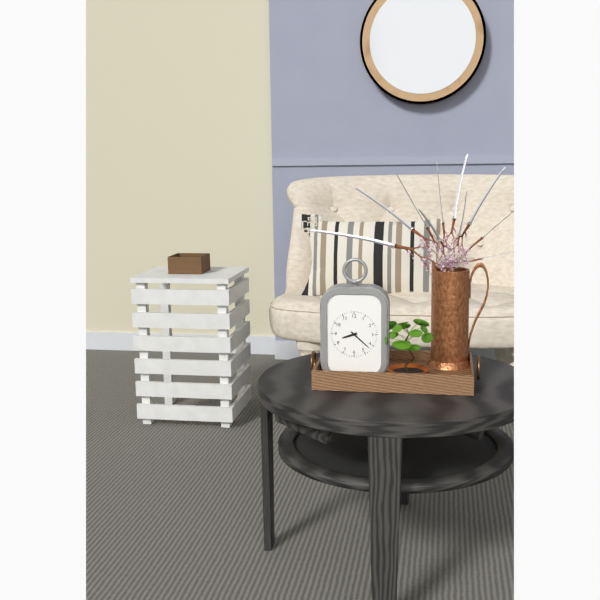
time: 8:22
